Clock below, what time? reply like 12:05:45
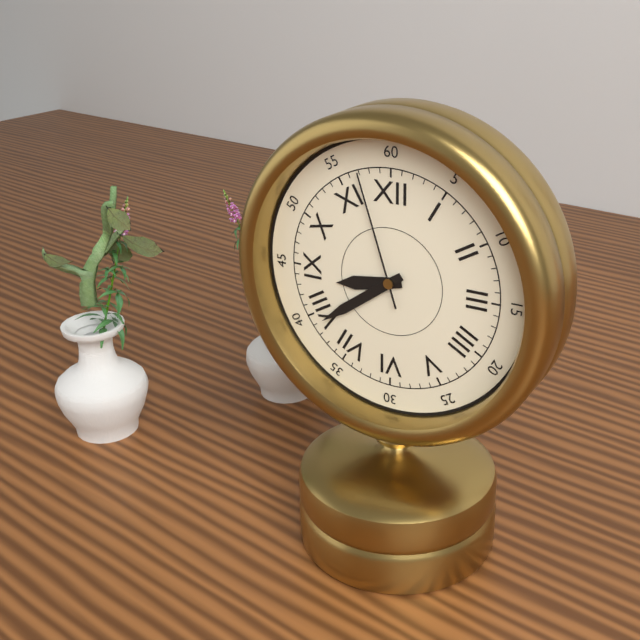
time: 8:39:57
